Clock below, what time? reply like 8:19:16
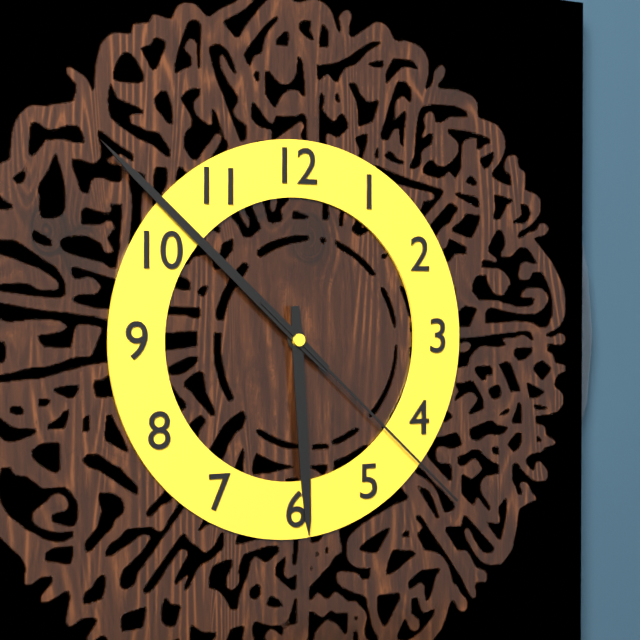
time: 5:52:22
